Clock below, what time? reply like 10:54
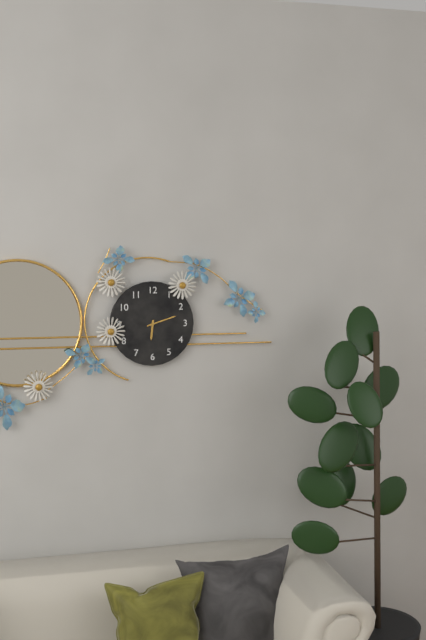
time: 6:12
